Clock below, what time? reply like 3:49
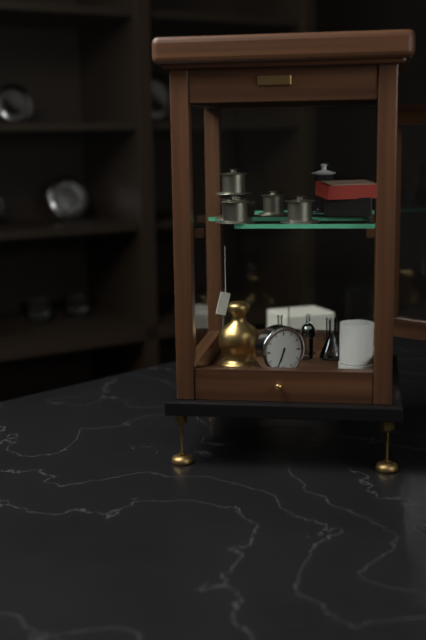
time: 6:34
